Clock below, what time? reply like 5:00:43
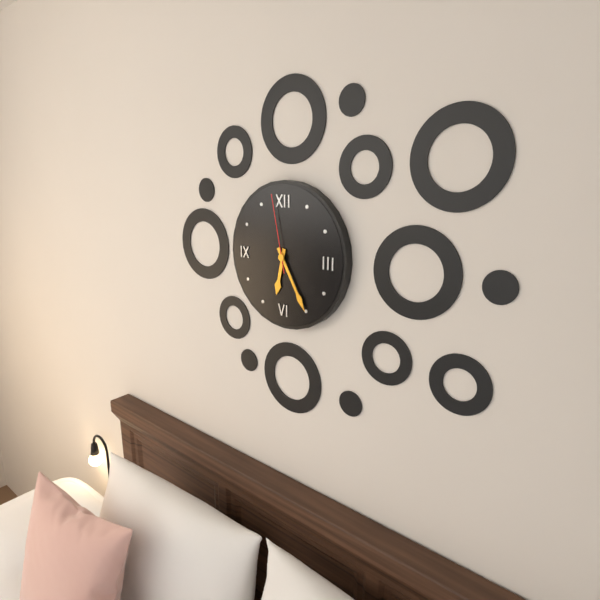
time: 6:25:58
